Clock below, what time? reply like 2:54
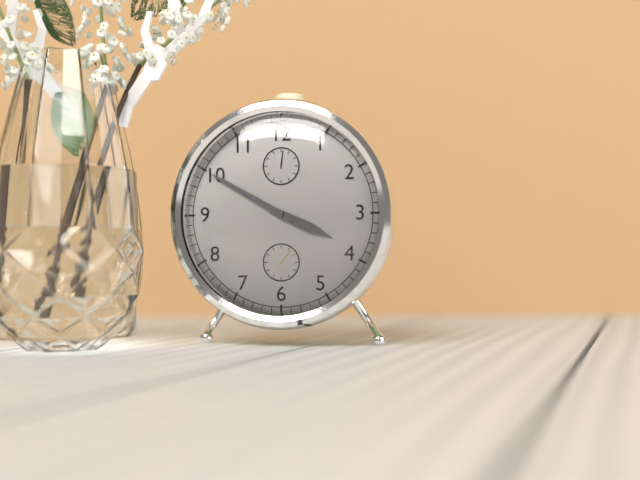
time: 3:50
